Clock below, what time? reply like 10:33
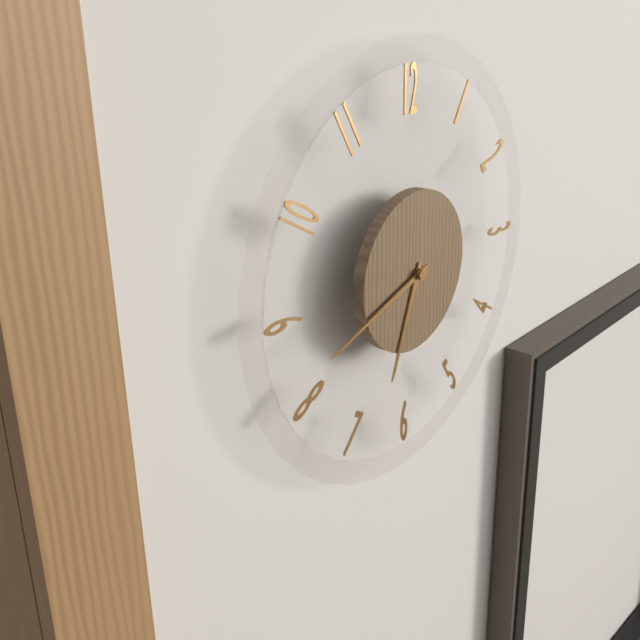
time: 6:42
